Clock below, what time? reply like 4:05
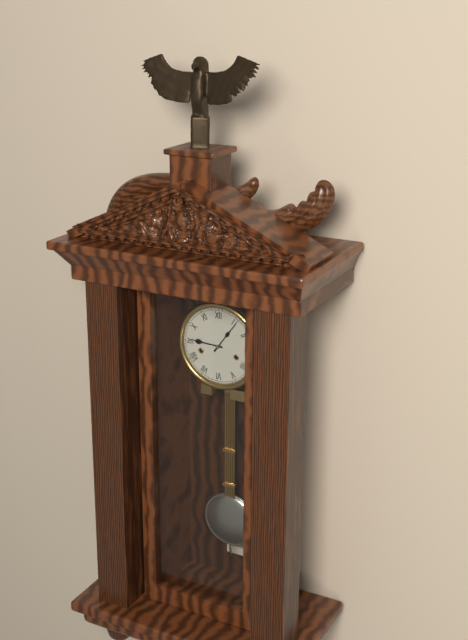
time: 9:06
